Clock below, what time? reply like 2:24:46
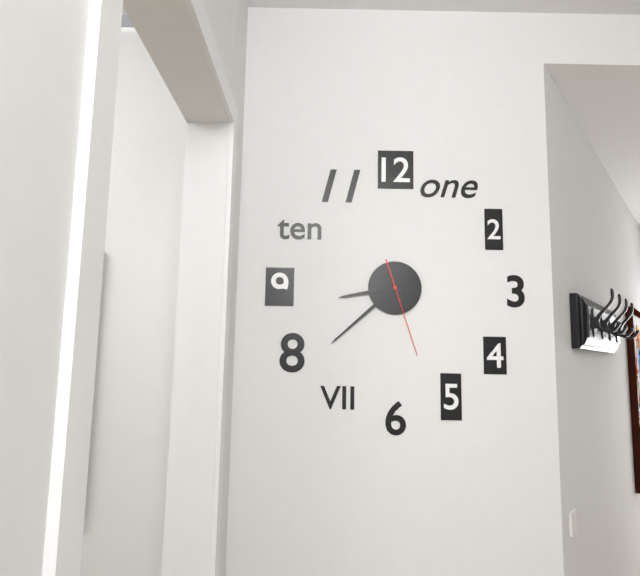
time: 8:38:27
